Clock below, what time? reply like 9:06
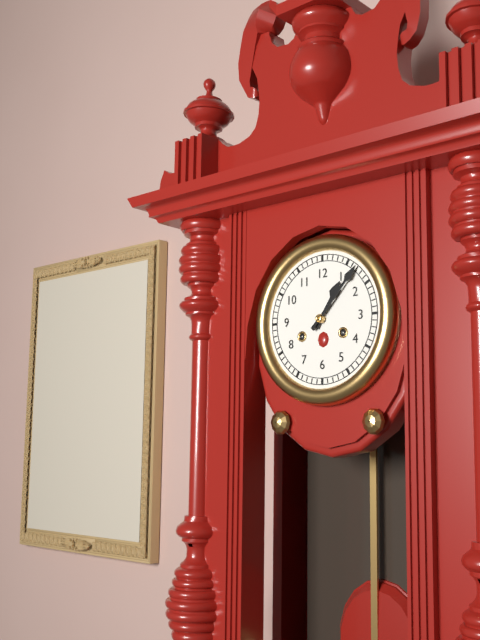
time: 1:07
